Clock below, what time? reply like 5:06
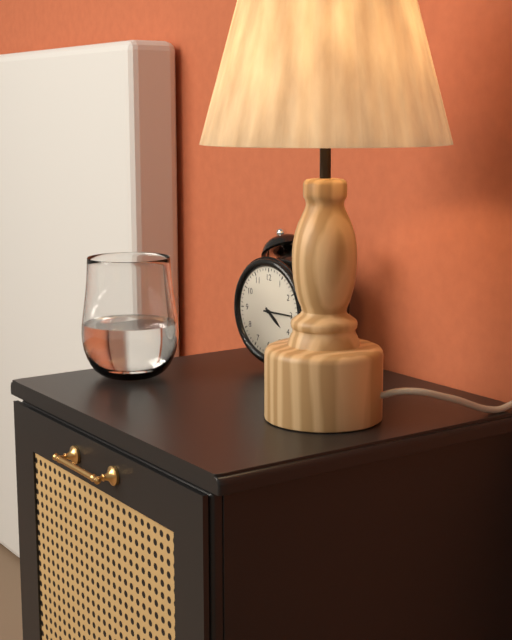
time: 4:15
